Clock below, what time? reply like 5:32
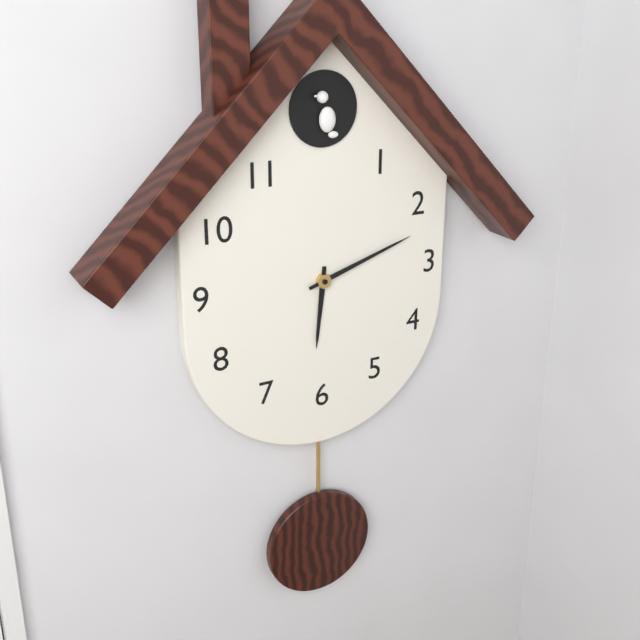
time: 6:12
